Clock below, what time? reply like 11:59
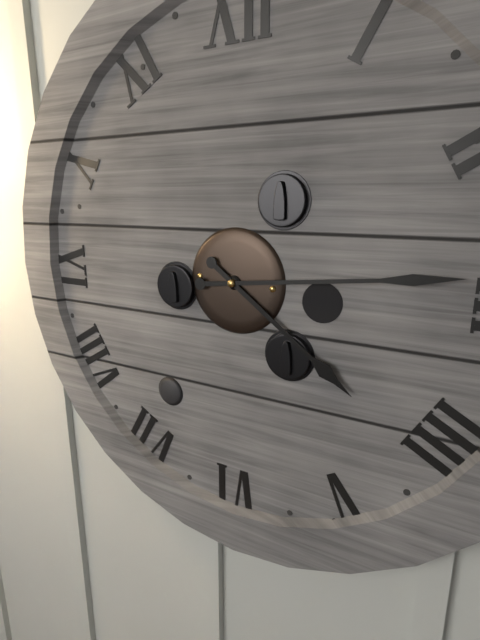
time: 4:14
